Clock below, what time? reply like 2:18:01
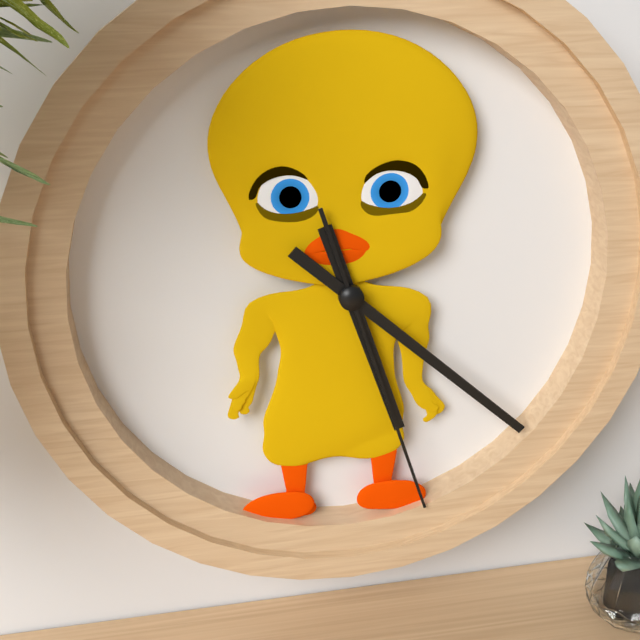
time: 5:22:27
